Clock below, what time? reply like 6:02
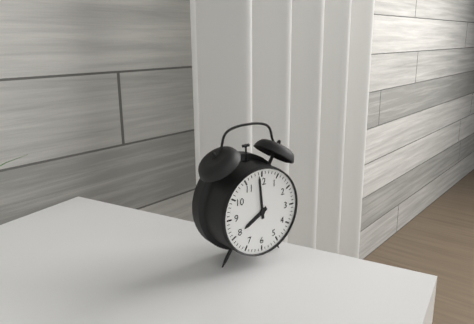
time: 7:59
